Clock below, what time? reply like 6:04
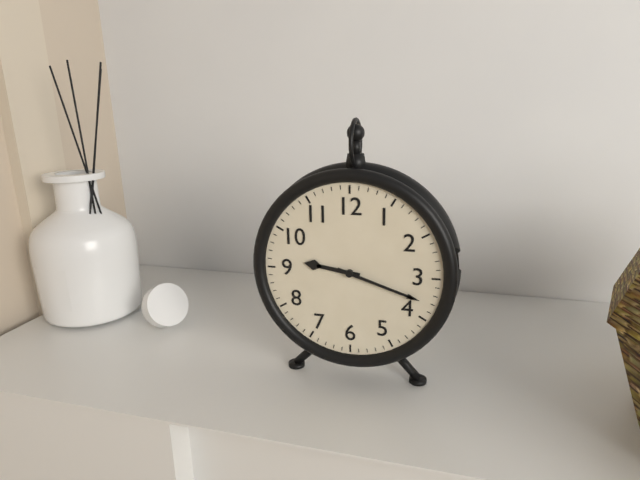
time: 9:18
